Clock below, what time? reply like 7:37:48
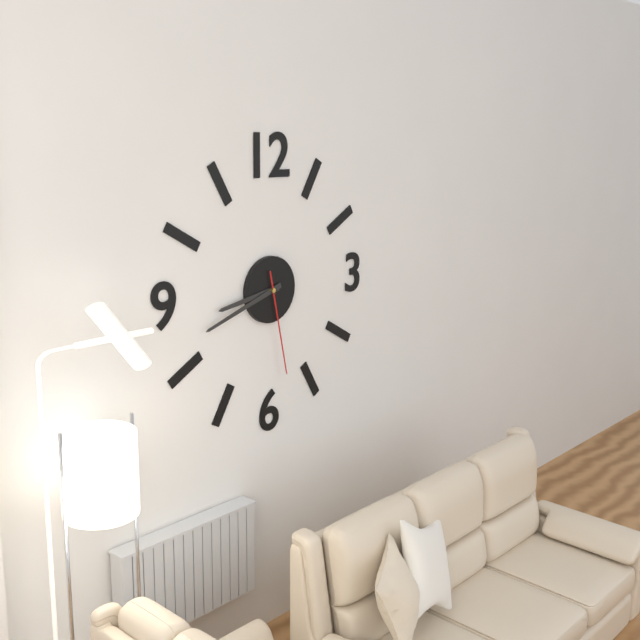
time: 8:42:28
